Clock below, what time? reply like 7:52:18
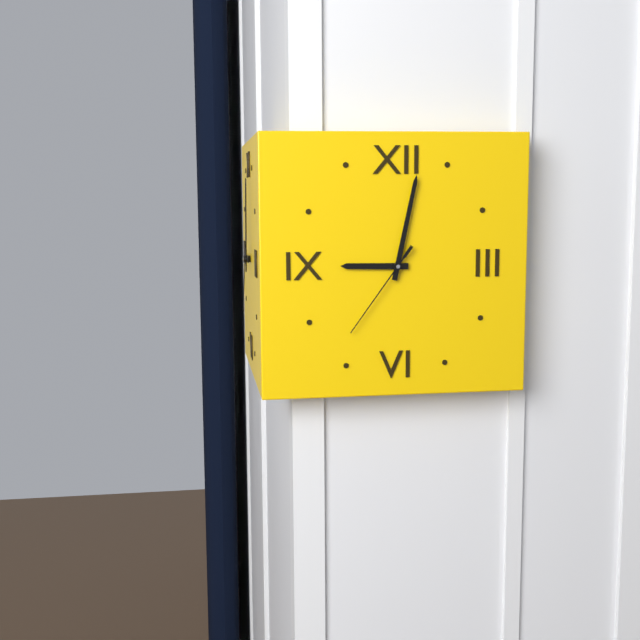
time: 9:02:36
